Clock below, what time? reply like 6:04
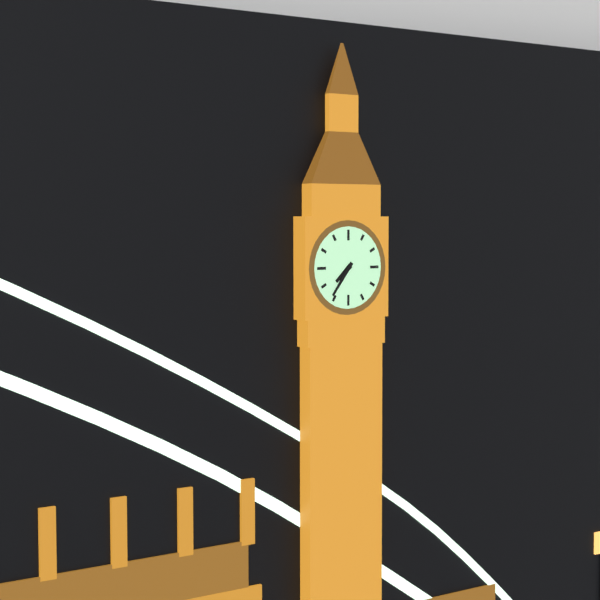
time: 7:36
